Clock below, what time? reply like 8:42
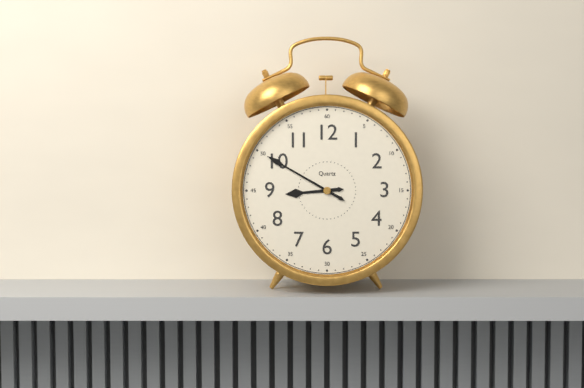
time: 8:50
